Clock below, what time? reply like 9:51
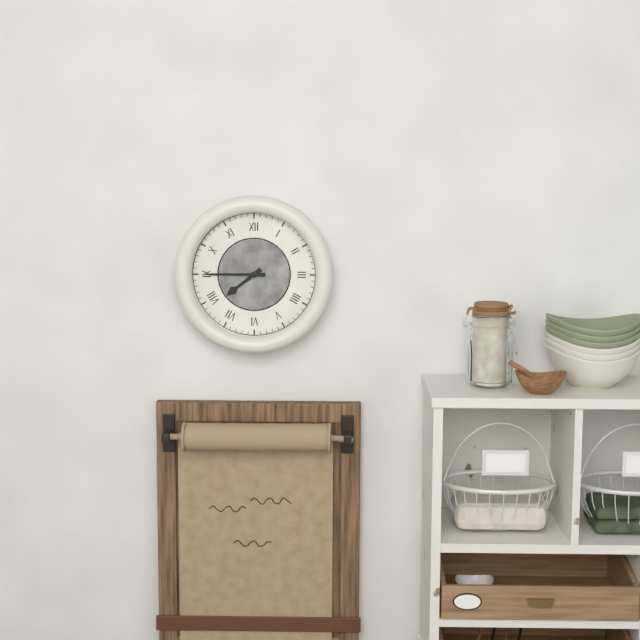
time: 7:45
